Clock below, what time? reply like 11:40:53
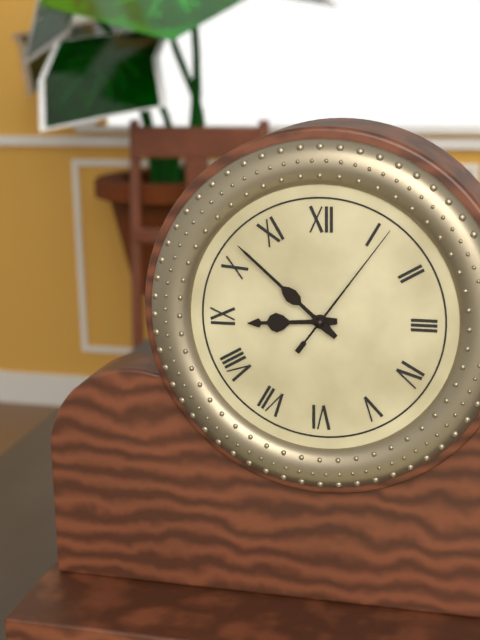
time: 8:52:06
